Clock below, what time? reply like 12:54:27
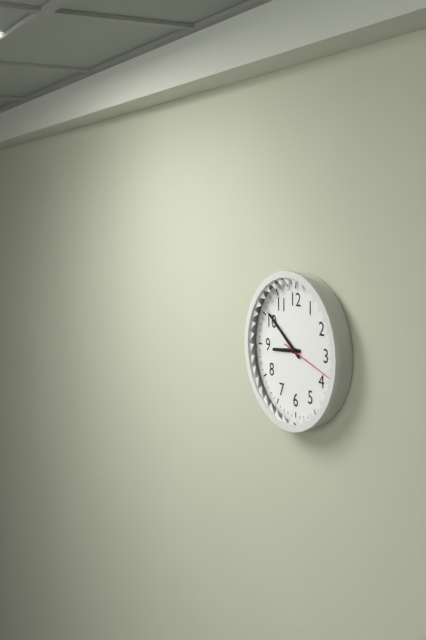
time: 8:51:18
